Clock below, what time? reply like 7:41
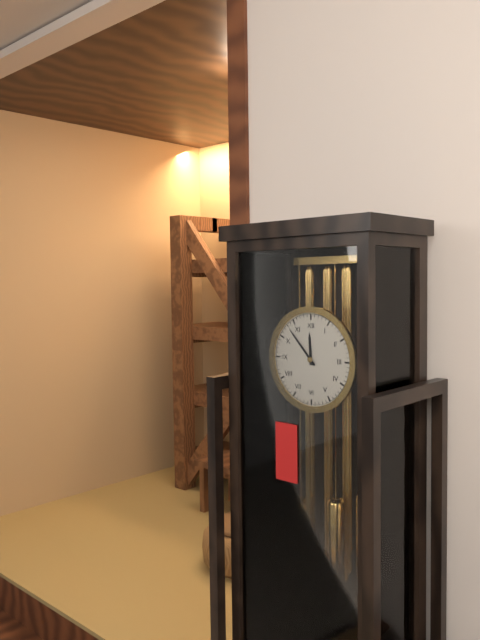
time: 11:53
